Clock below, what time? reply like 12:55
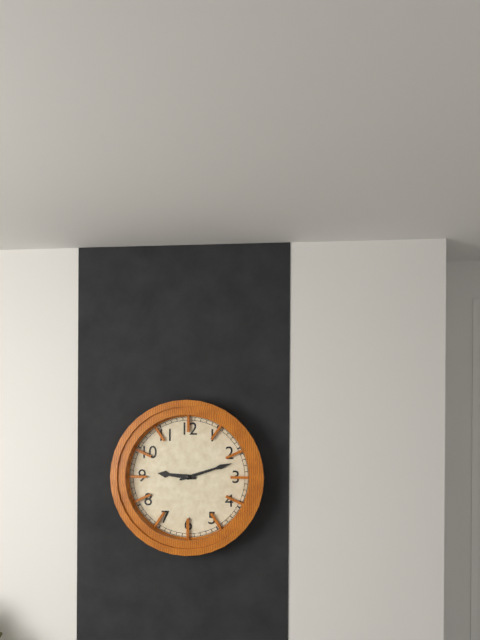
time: 9:12
